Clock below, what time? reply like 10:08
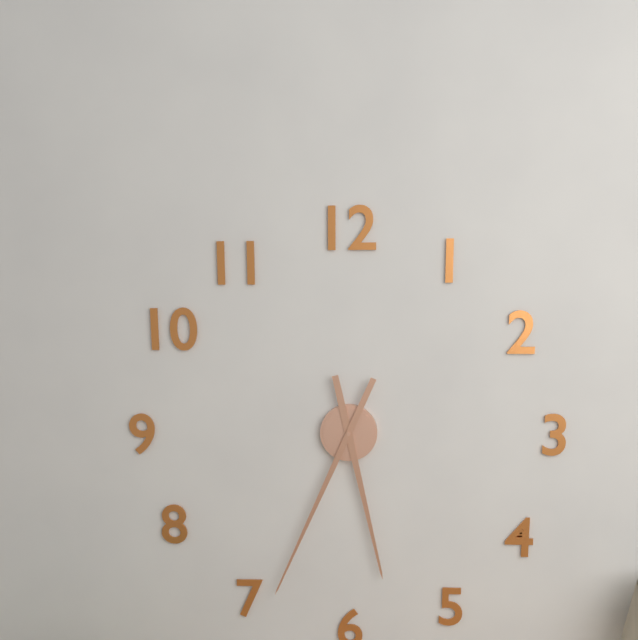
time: 5:34
